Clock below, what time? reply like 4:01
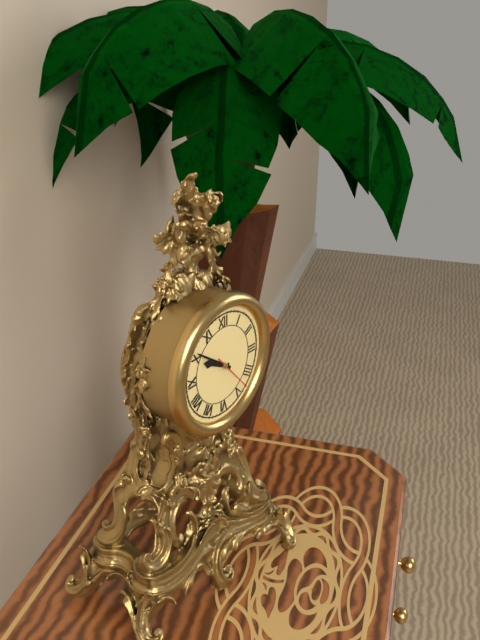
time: 9:51
